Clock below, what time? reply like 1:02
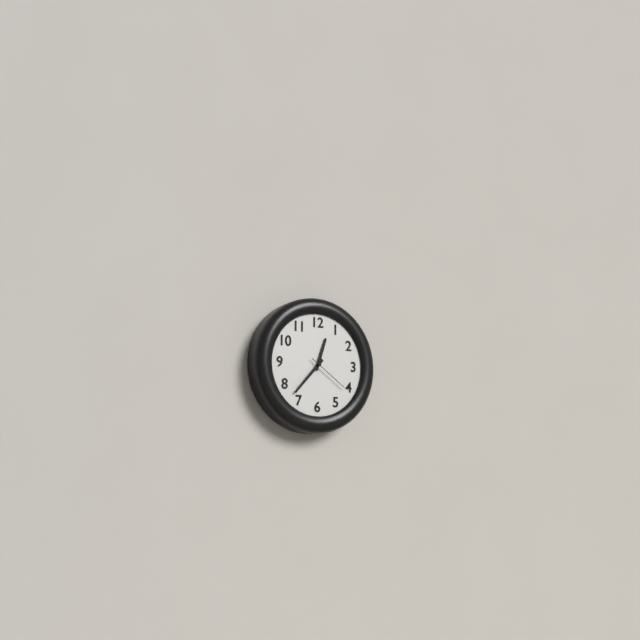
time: 12:37
